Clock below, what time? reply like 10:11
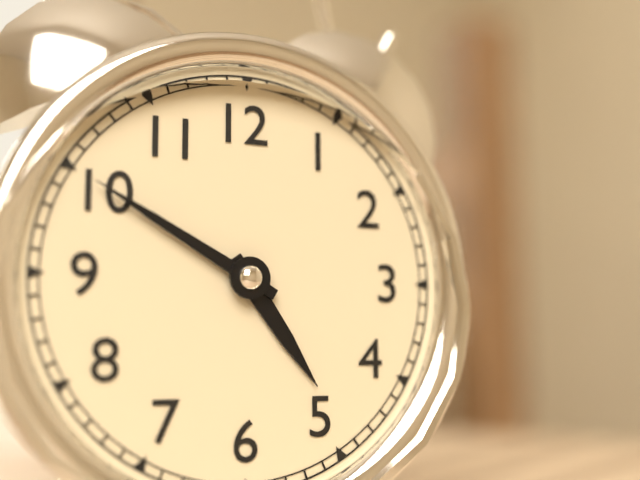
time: 4:50
